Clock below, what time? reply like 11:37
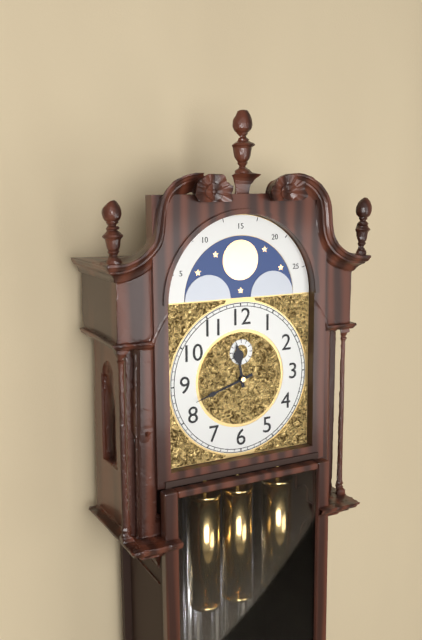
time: 11:42
